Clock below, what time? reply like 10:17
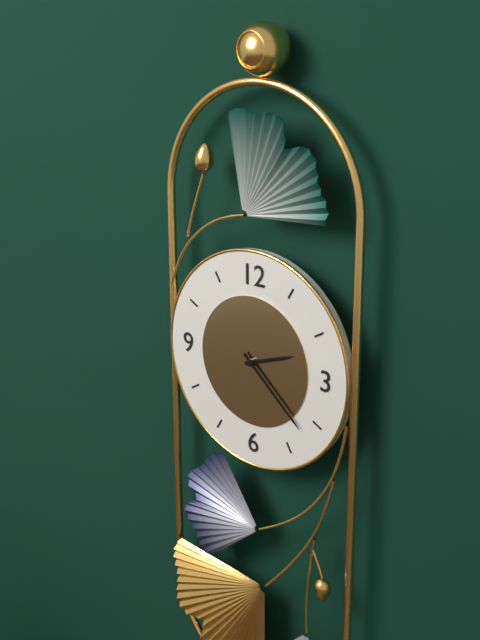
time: 2:22
